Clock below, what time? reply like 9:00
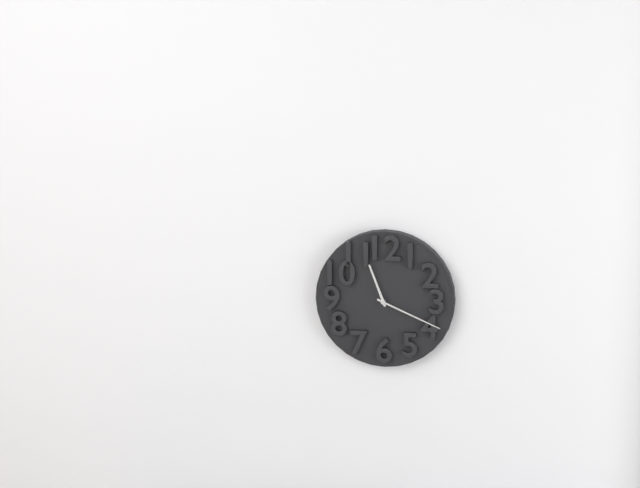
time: 11:19
